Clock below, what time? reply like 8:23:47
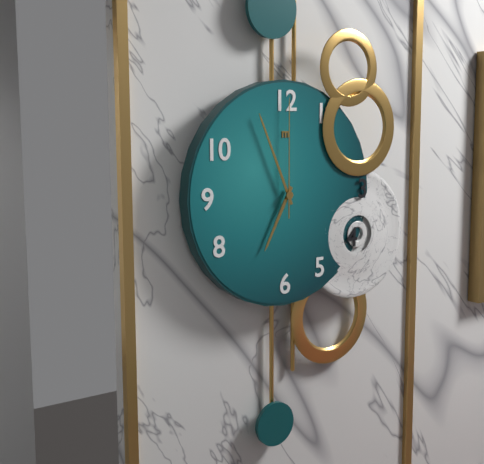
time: 6:56:00
